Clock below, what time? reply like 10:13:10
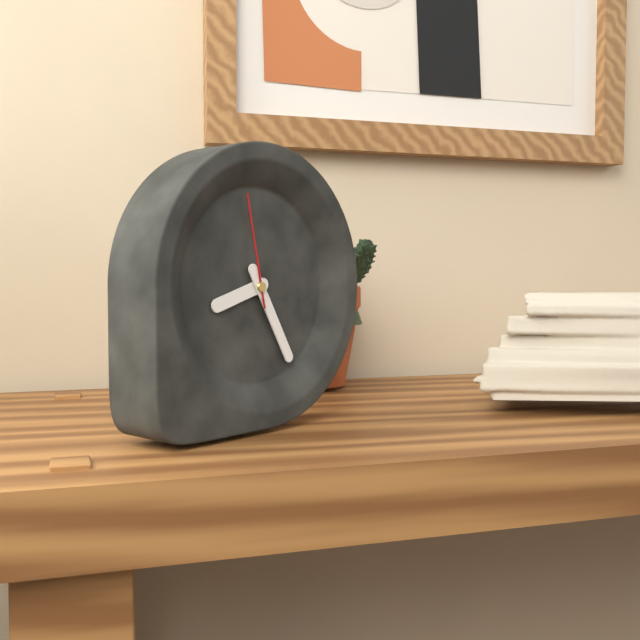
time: 8:25:58
